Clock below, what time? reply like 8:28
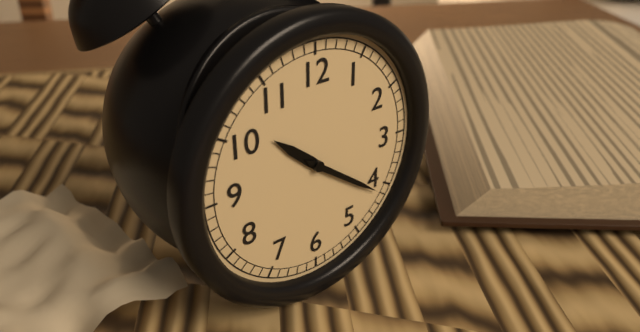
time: 10:21
